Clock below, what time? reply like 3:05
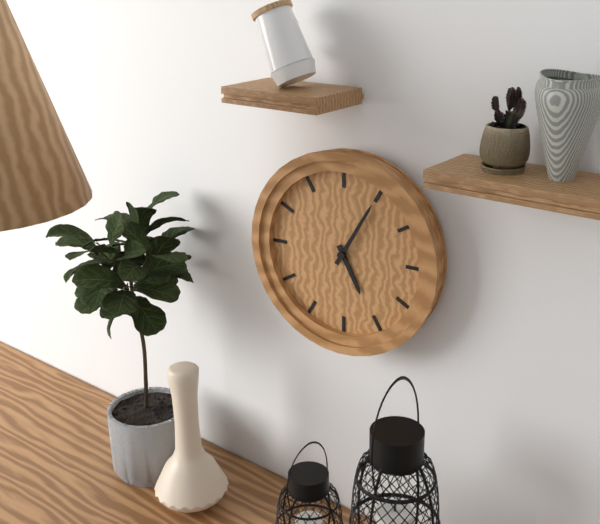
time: 5:05
